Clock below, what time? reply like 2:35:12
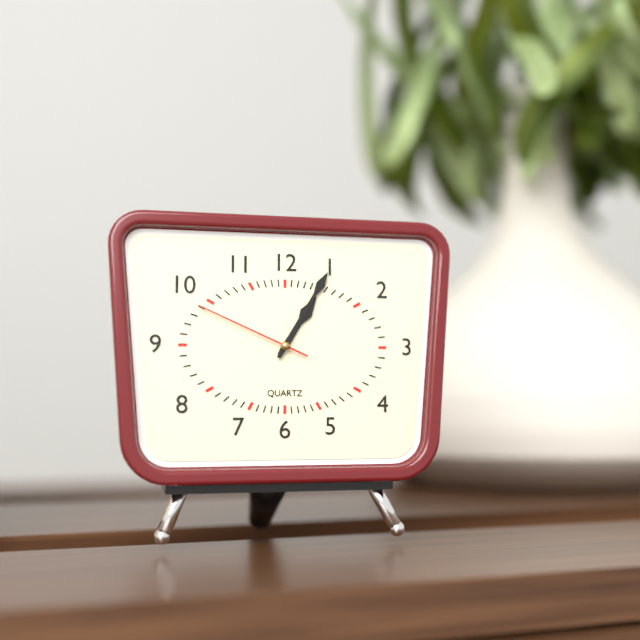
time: 1:05:49
